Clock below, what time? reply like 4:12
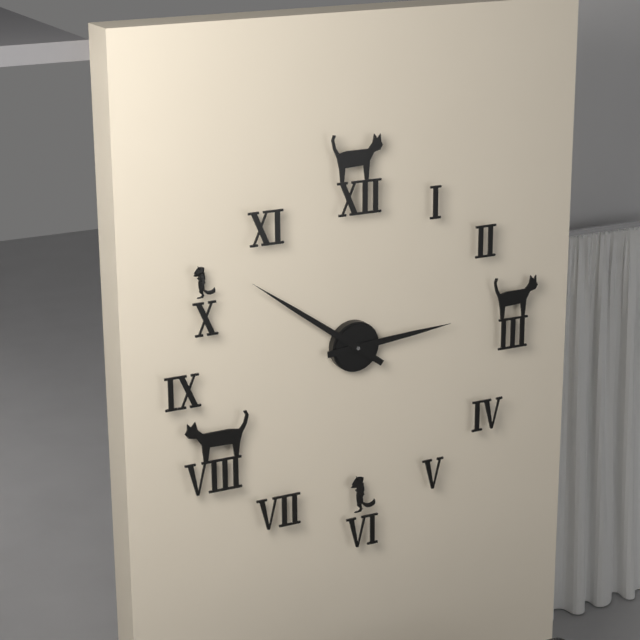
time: 2:51
